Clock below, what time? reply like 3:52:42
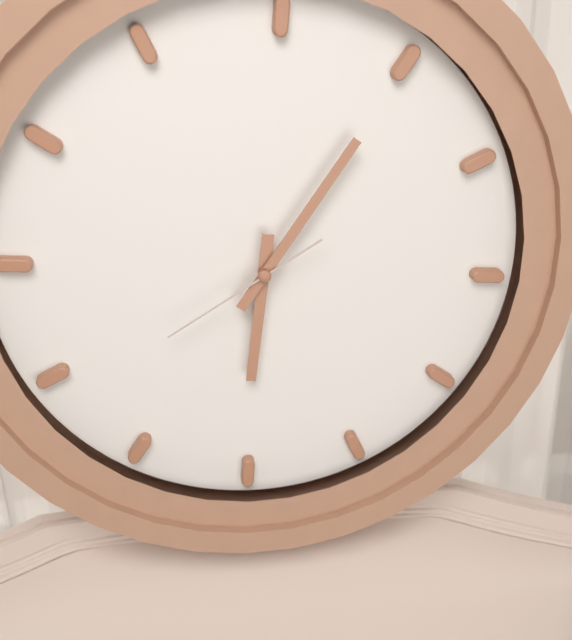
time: 6:05:39
